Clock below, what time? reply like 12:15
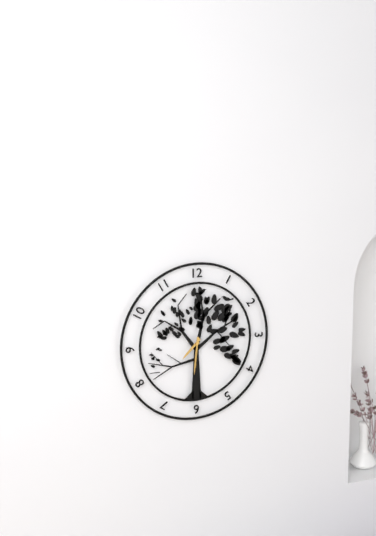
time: 7:31
